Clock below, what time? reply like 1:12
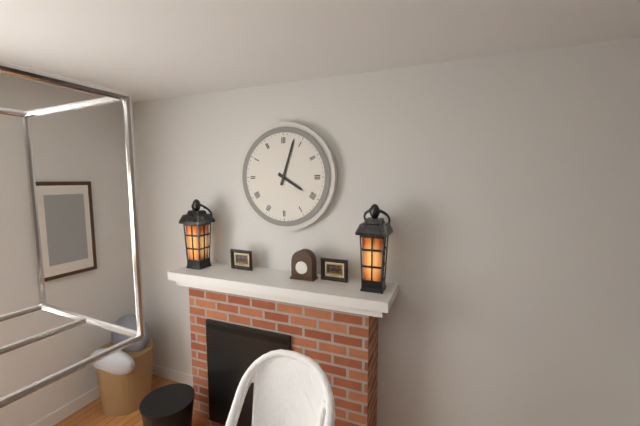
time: 4:03
